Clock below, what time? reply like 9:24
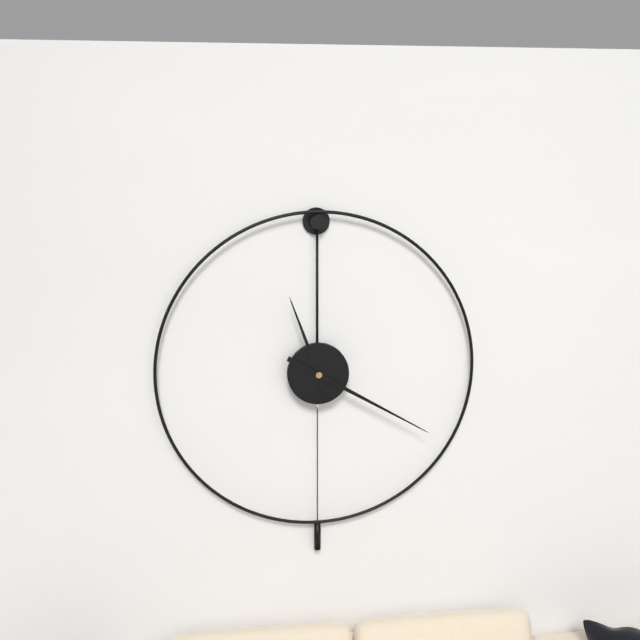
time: 11:20
